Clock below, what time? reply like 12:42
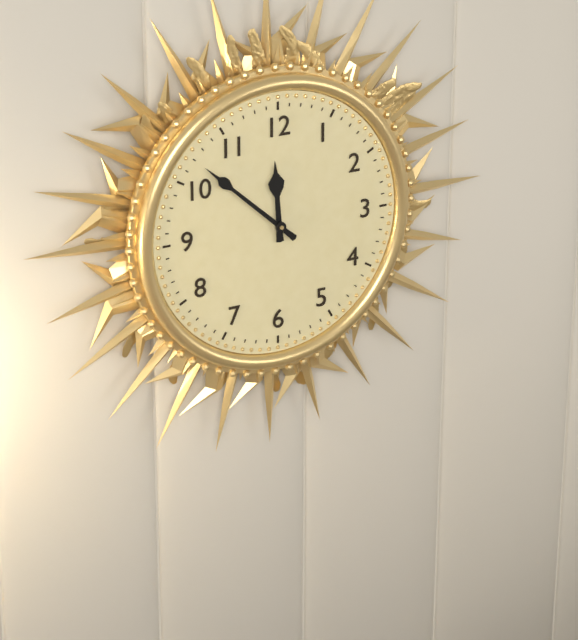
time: 11:52
